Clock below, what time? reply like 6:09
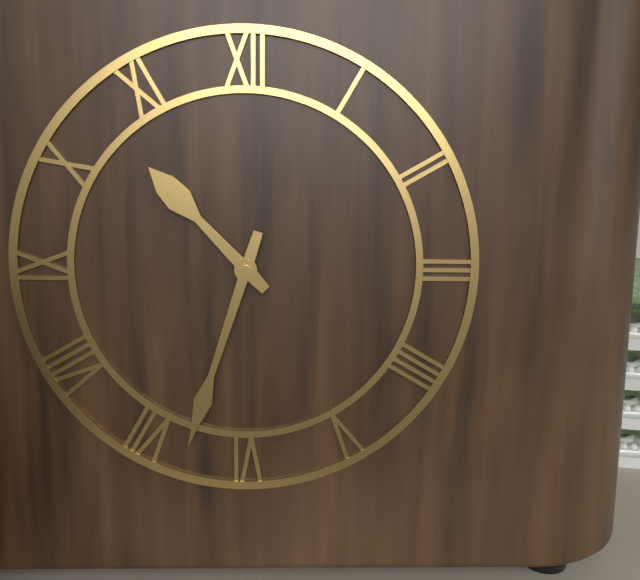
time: 10:33
